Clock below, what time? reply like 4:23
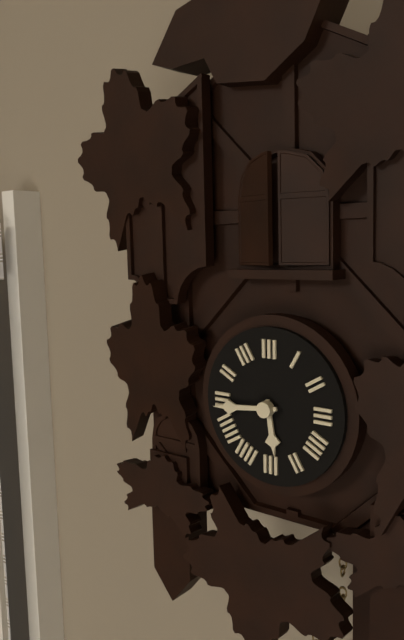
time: 5:44
